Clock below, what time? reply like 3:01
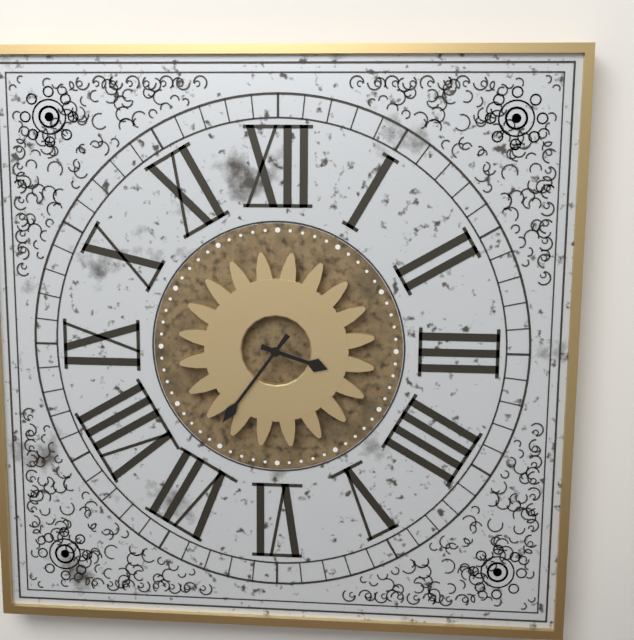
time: 3:36
